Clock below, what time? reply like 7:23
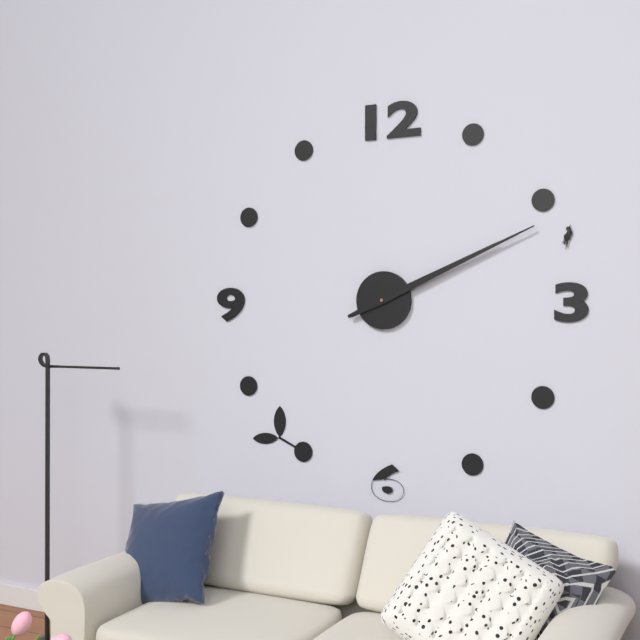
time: 2:11
